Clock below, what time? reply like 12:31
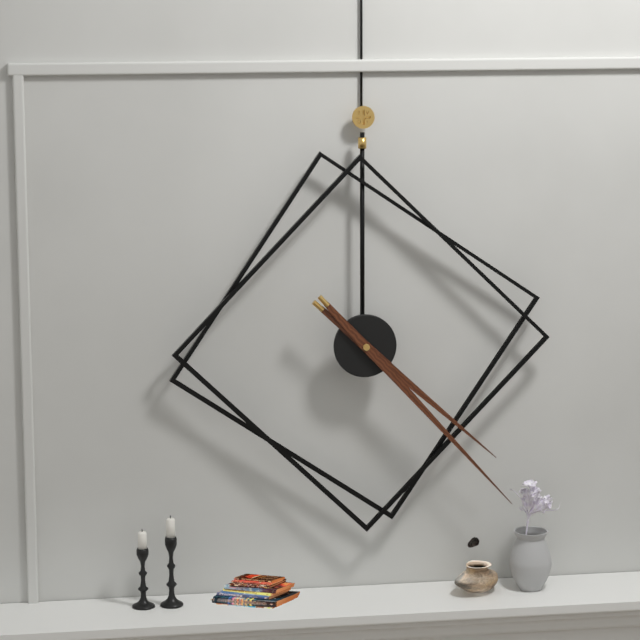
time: 4:23
